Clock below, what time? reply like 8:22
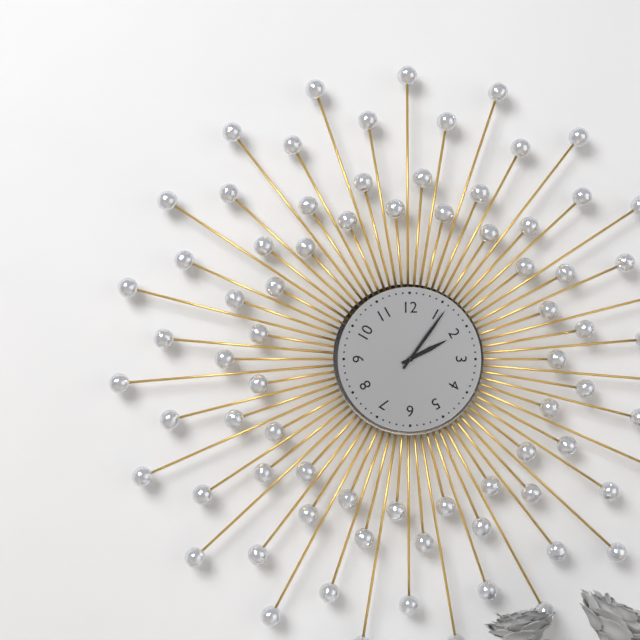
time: 2:06
